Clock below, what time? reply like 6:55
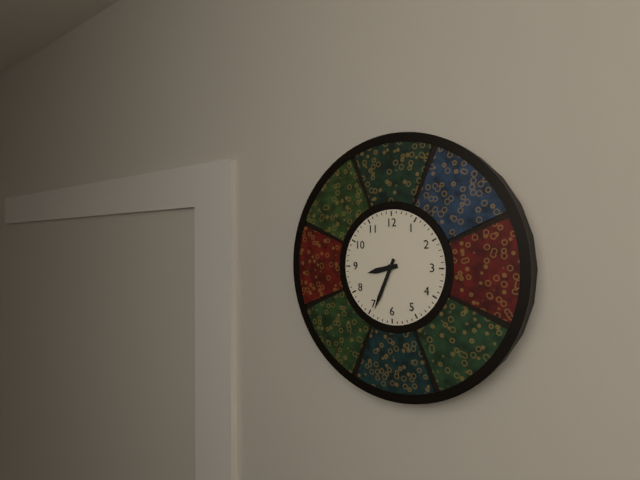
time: 8:34
